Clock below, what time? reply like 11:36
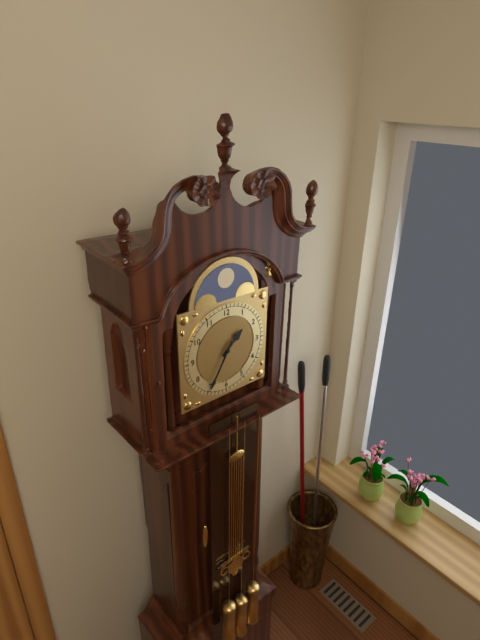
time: 1:35
